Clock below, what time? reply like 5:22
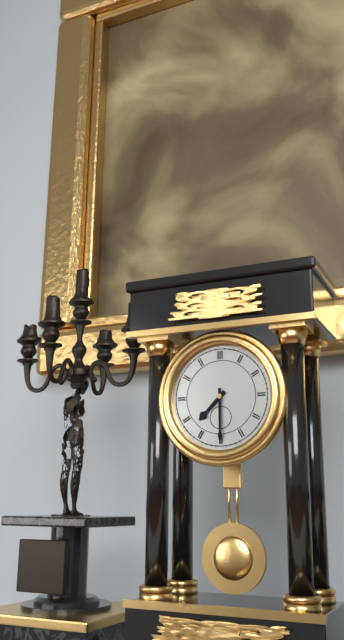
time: 7:30
